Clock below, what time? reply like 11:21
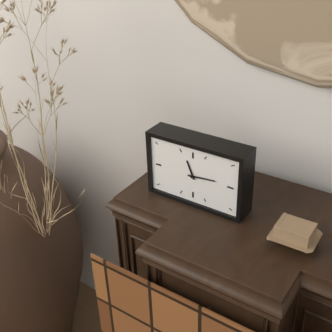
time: 11:14
